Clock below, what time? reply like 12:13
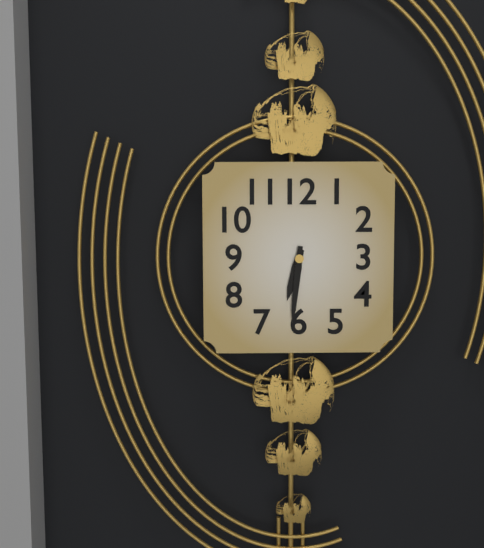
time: 6:31
